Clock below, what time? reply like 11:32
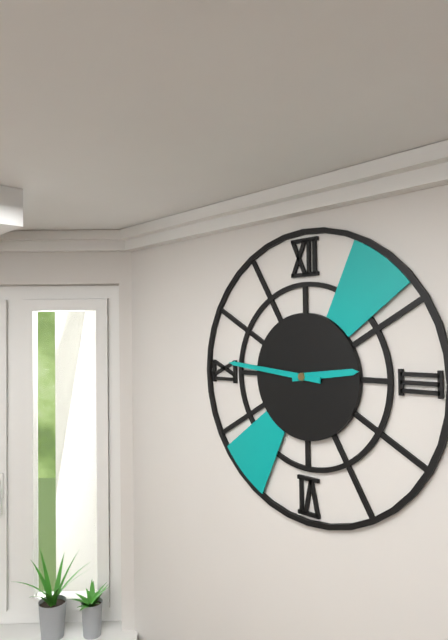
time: 2:46
